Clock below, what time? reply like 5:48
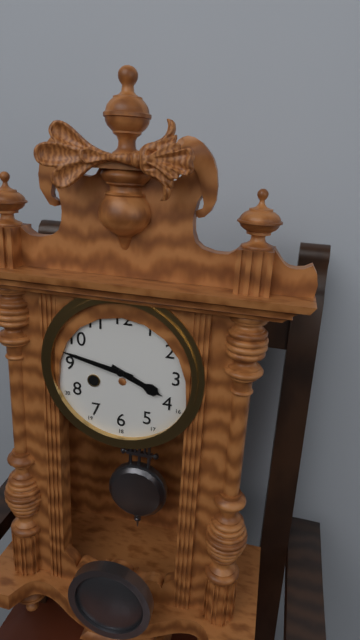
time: 3:47
